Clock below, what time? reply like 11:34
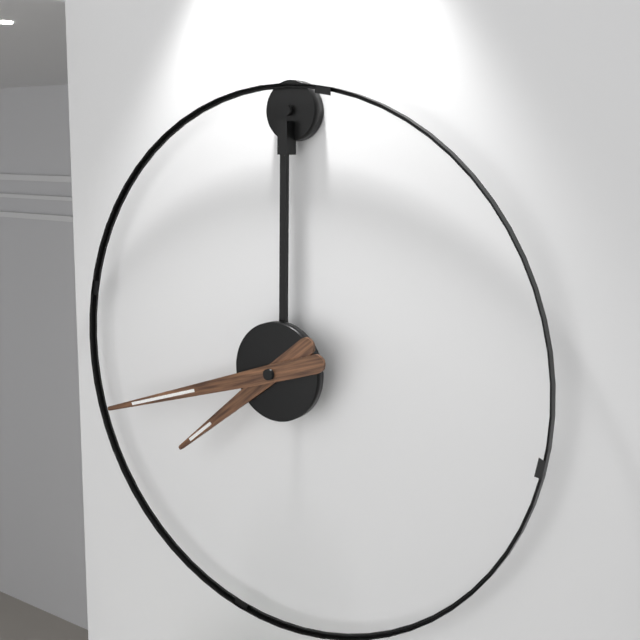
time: 7:42
